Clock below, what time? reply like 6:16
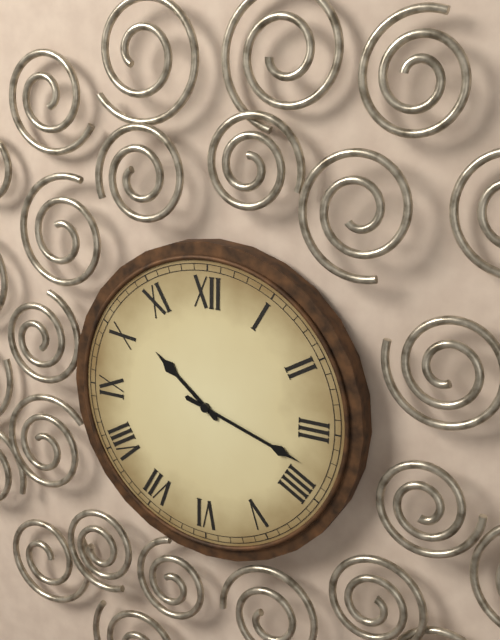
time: 10:18
